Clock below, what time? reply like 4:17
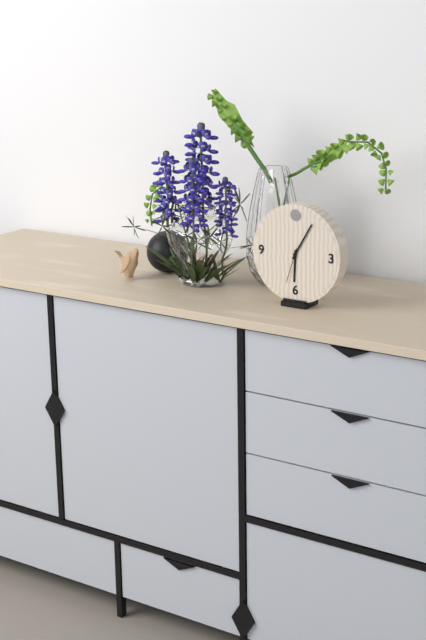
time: 6:05
